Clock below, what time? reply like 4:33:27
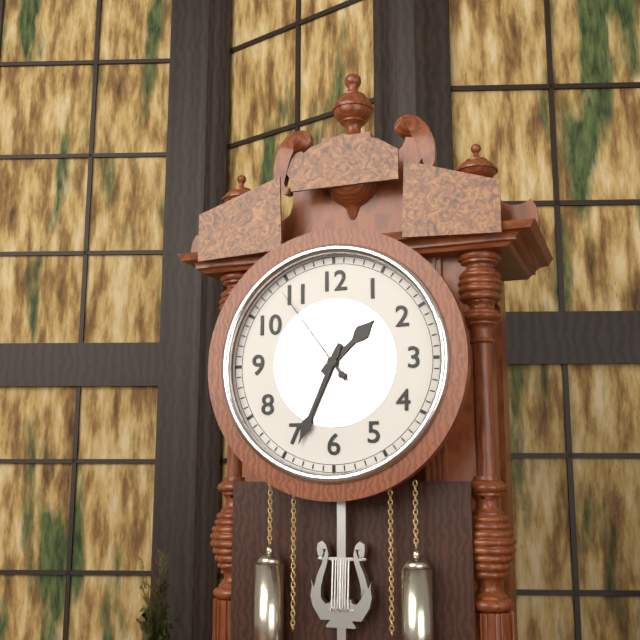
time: 1:34:54
